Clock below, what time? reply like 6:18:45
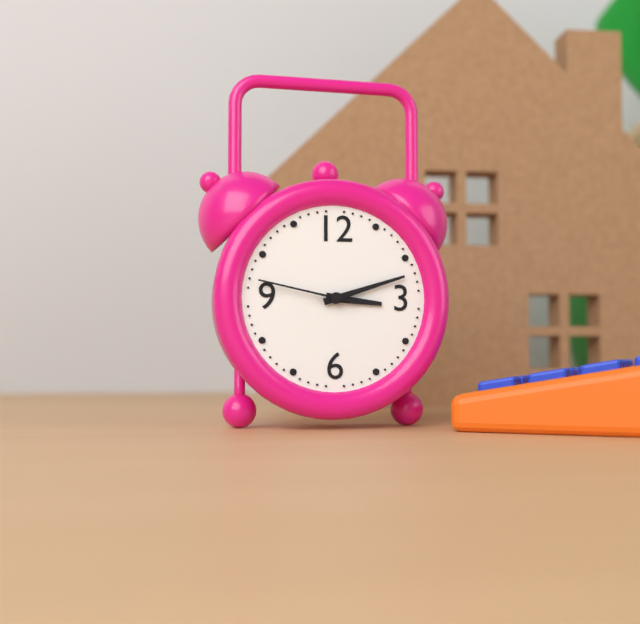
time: 3:12:47
